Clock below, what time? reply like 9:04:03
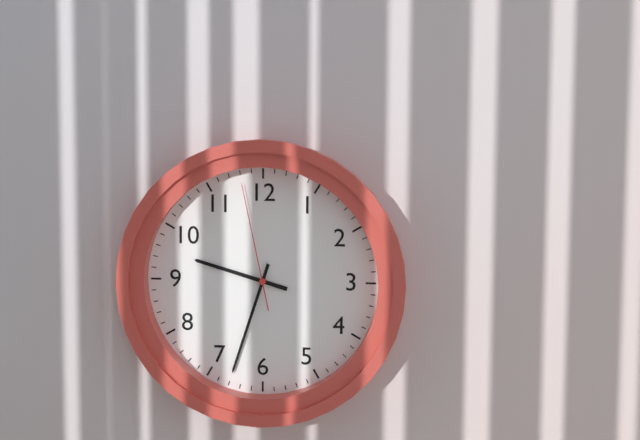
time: 9:33:58
